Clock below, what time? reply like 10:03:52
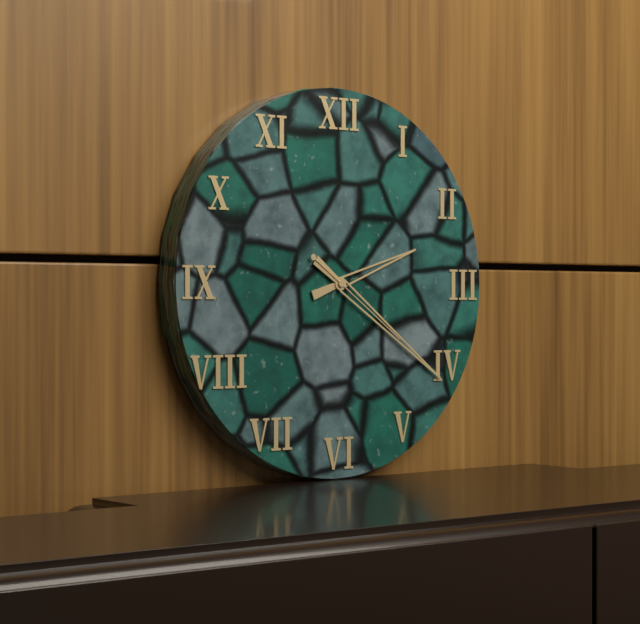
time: 2:21:21
